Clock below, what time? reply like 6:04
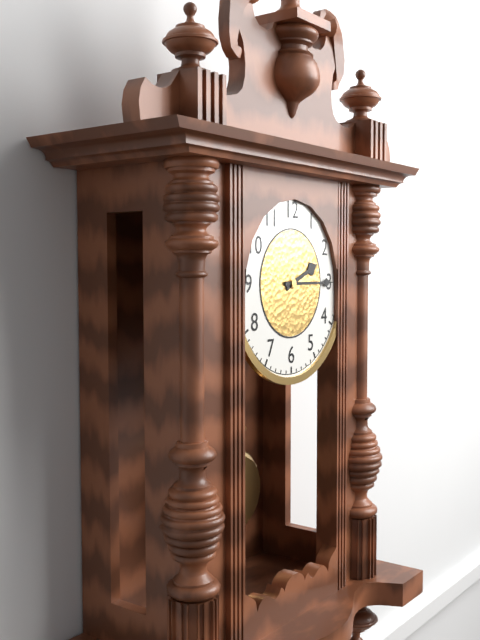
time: 2:15
